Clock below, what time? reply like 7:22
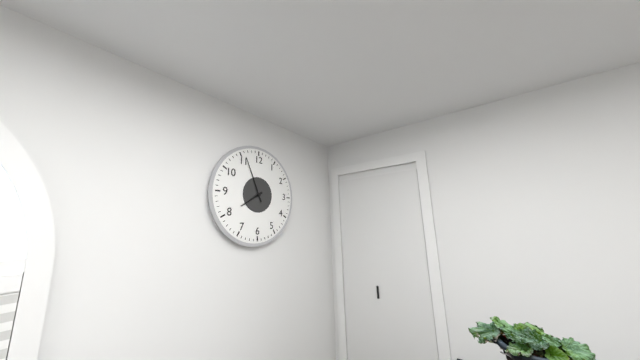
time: 7:56
